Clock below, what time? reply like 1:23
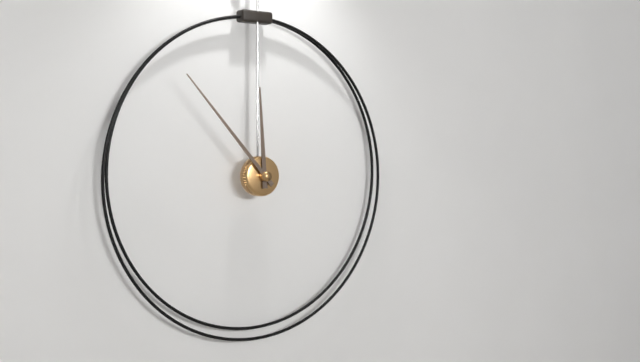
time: 11:53
